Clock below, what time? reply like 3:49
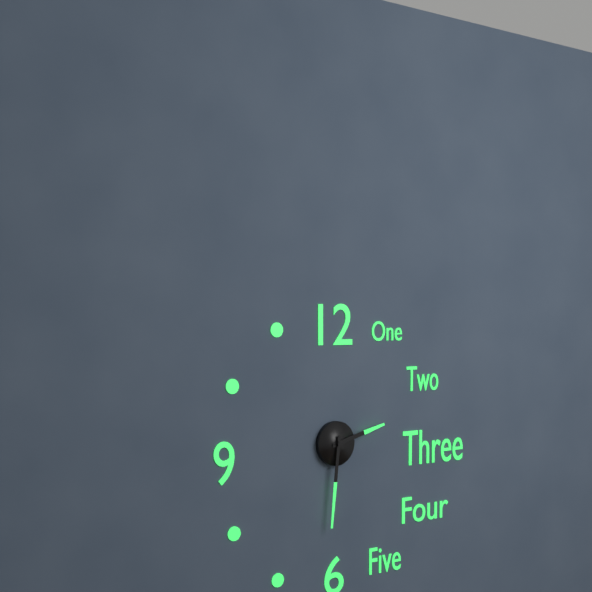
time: 2:31
